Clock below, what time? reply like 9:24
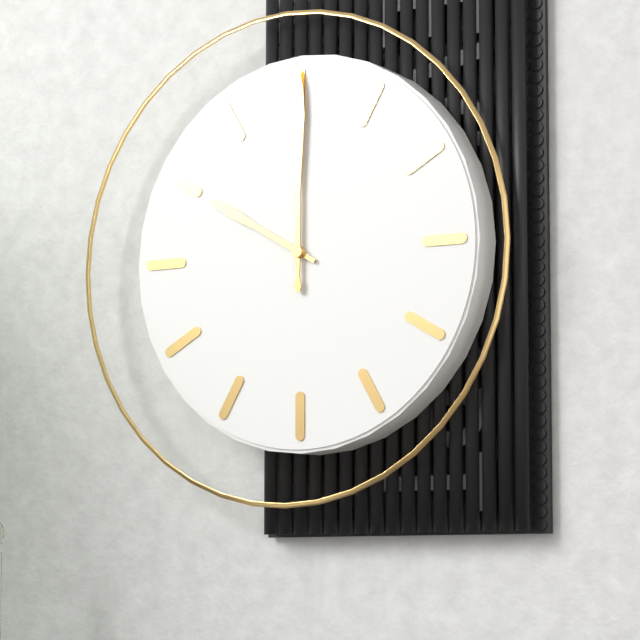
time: 10:00
